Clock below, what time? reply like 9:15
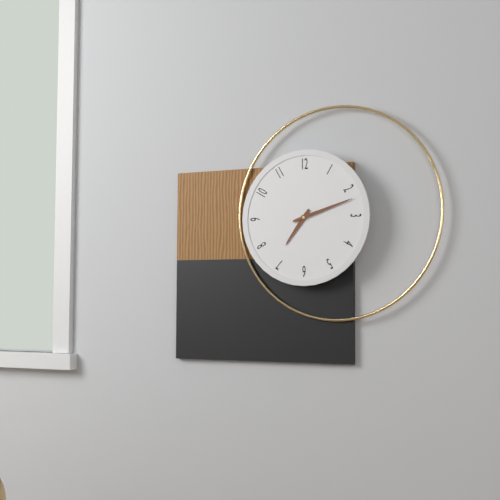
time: 7:12
